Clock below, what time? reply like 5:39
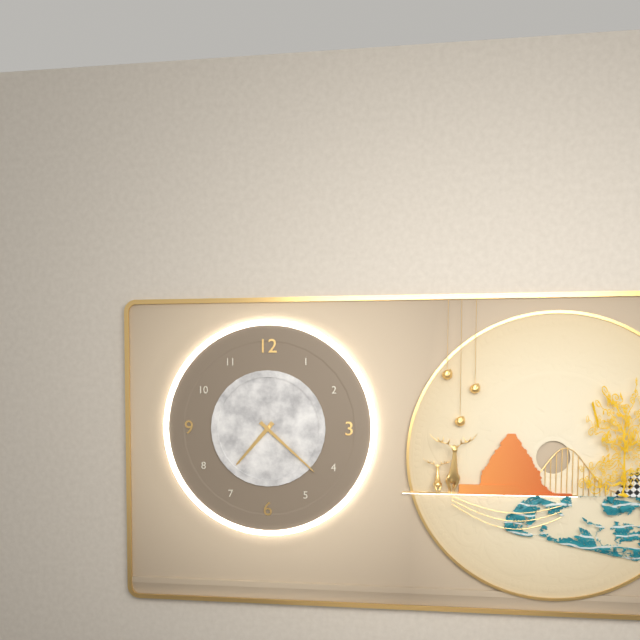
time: 7:22
